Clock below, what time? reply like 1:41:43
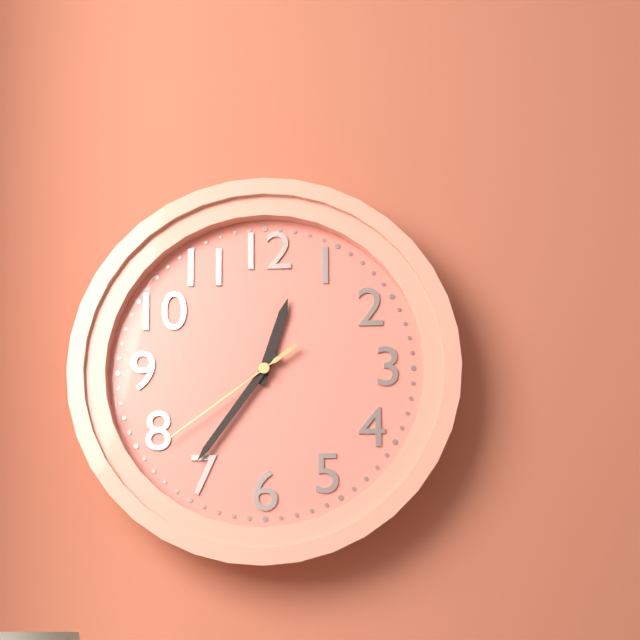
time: 12:36:39
